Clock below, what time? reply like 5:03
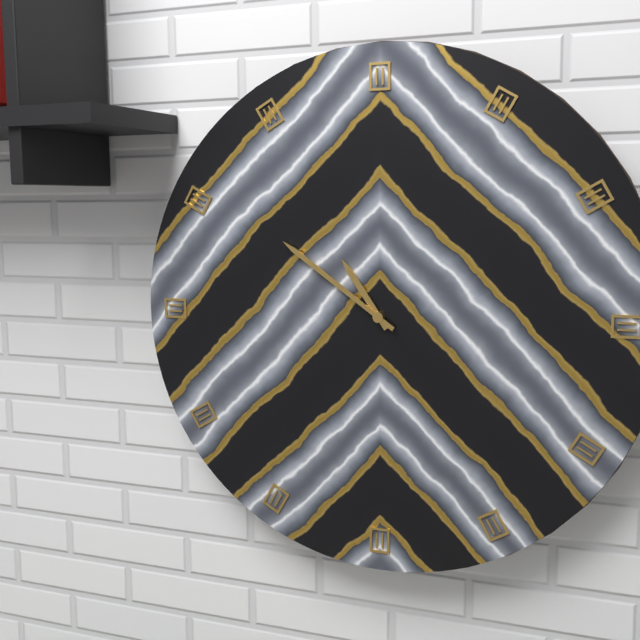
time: 10:51
